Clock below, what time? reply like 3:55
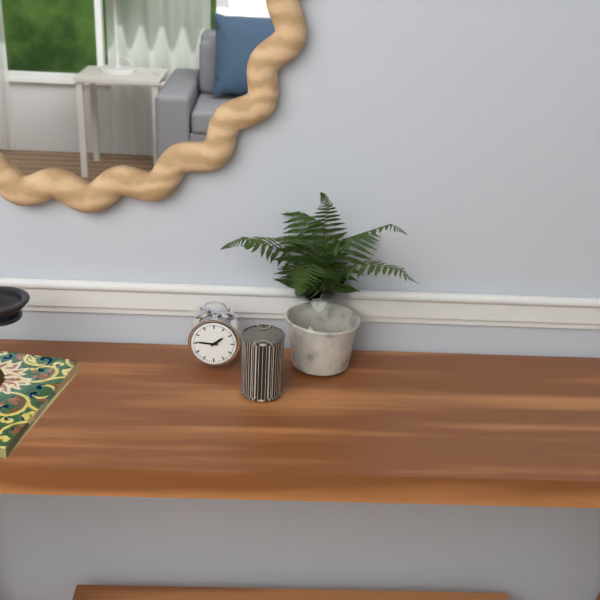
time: 1:46
